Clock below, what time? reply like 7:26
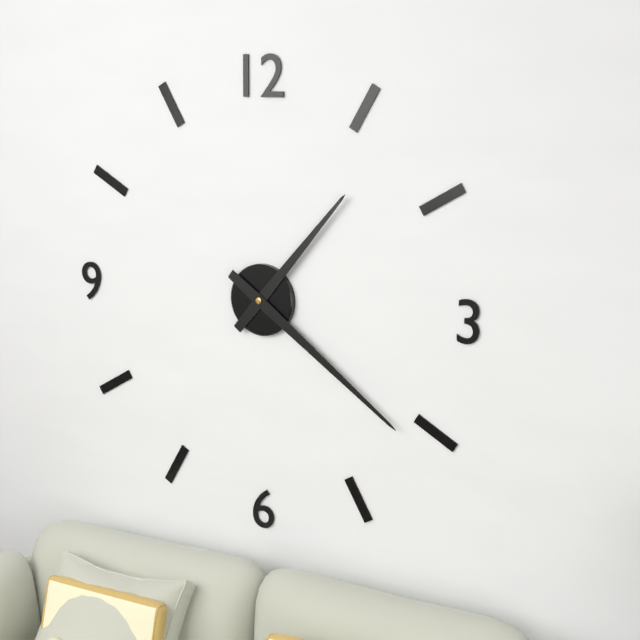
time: 1:21
